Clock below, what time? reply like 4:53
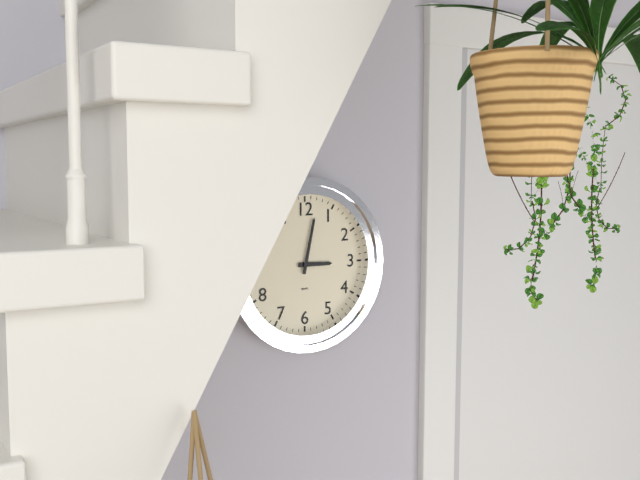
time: 3:02
